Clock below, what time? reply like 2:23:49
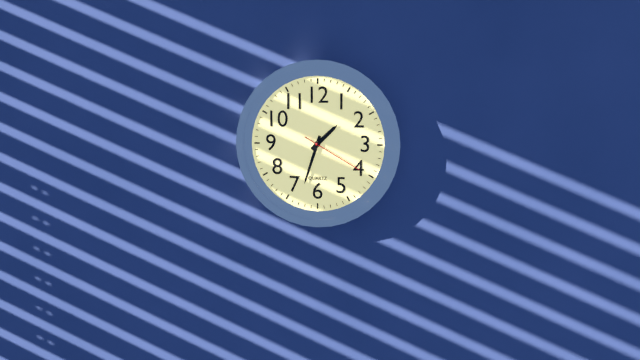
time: 1:33:20
